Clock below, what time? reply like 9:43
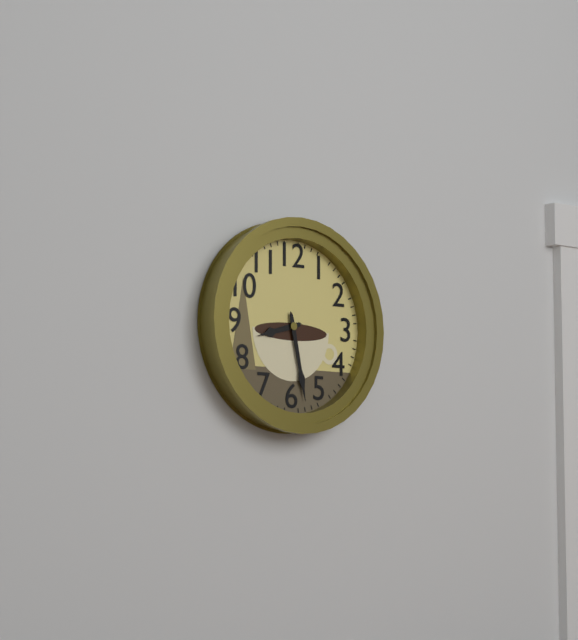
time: 8:28
